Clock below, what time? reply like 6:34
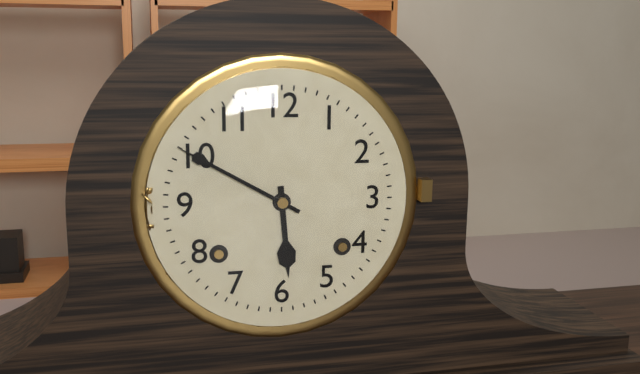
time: 5:50
